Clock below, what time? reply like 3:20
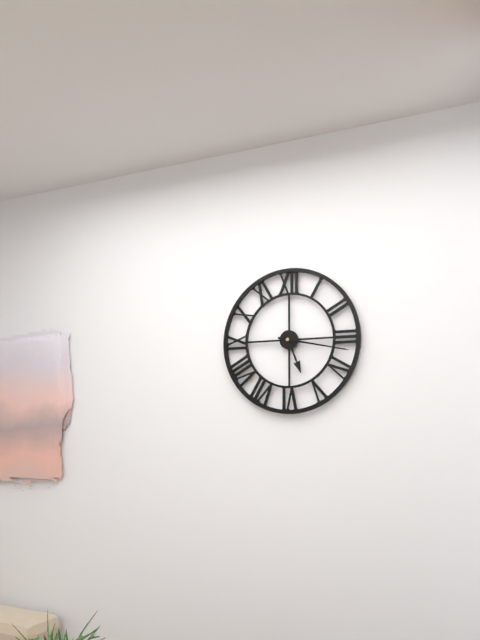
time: 5:17
